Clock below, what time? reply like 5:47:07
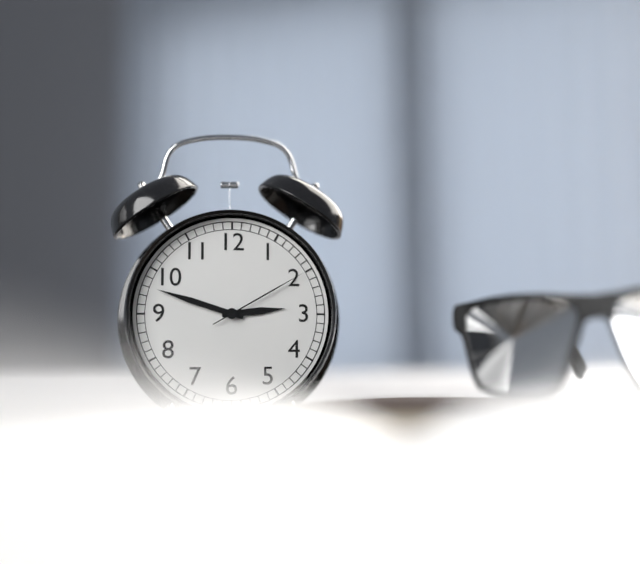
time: 2:48:10
